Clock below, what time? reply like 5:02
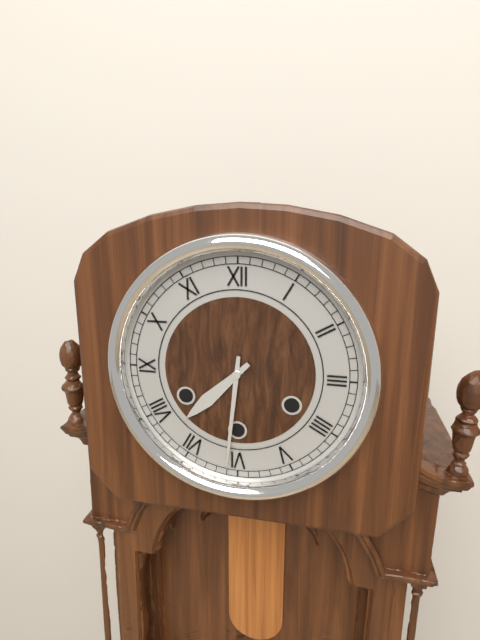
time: 7:31
